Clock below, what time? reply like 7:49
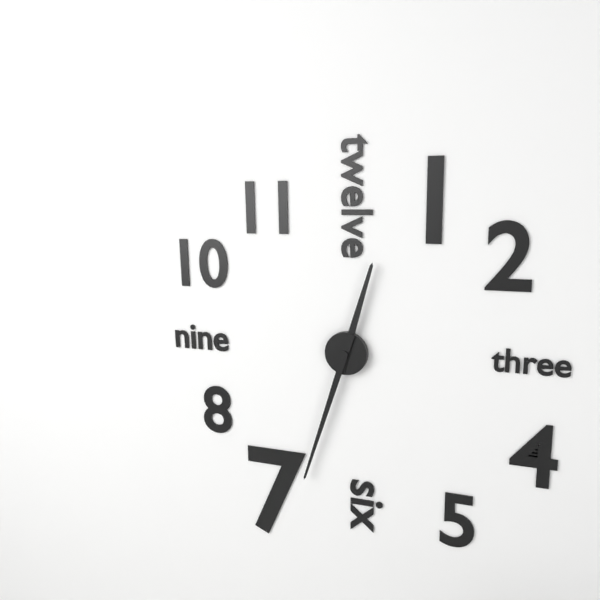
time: 12:33
